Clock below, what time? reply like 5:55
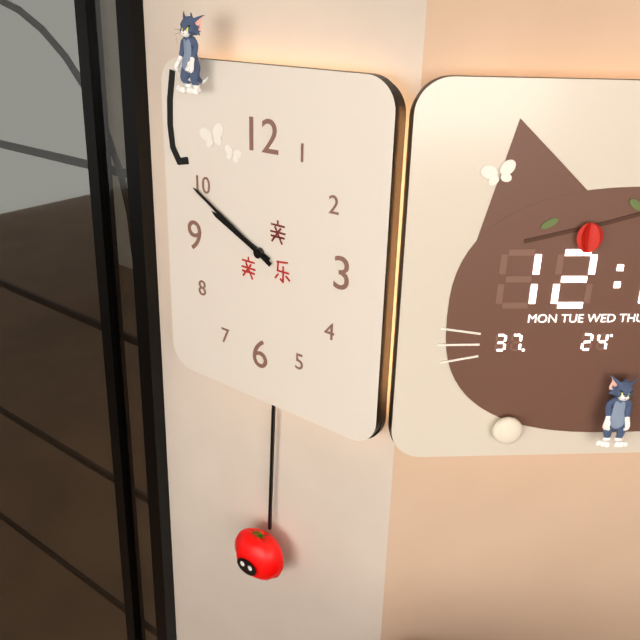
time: 9:50
